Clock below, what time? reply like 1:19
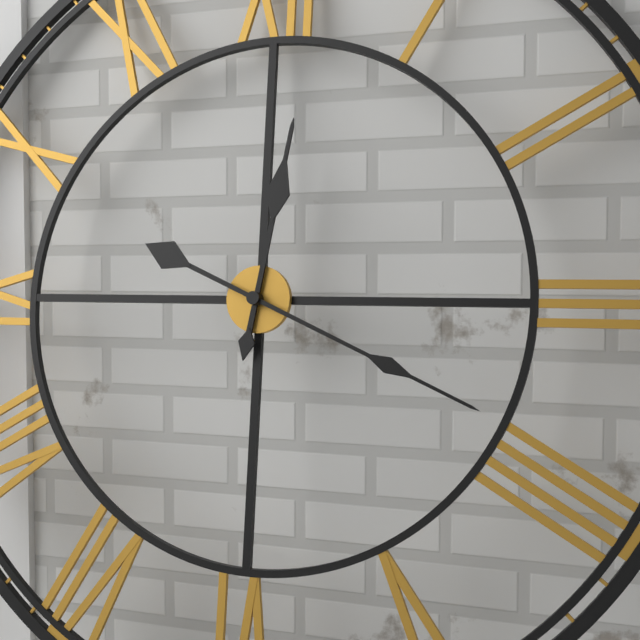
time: 12:19
